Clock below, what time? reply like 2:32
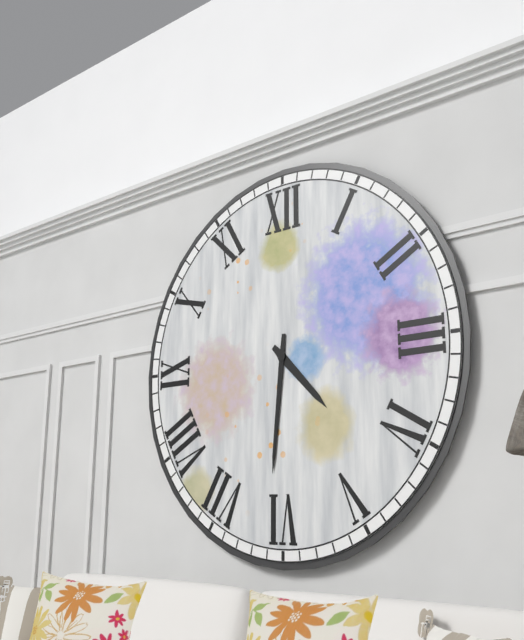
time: 4:31
